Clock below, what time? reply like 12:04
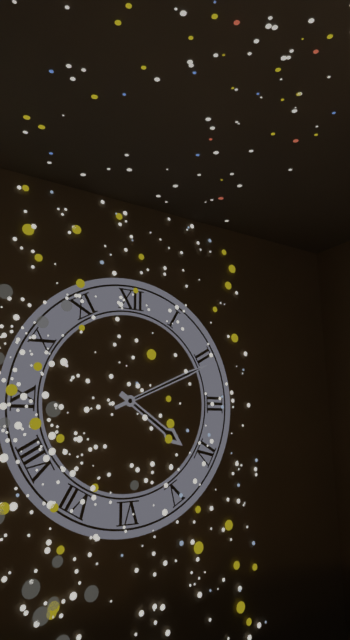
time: 4:11
